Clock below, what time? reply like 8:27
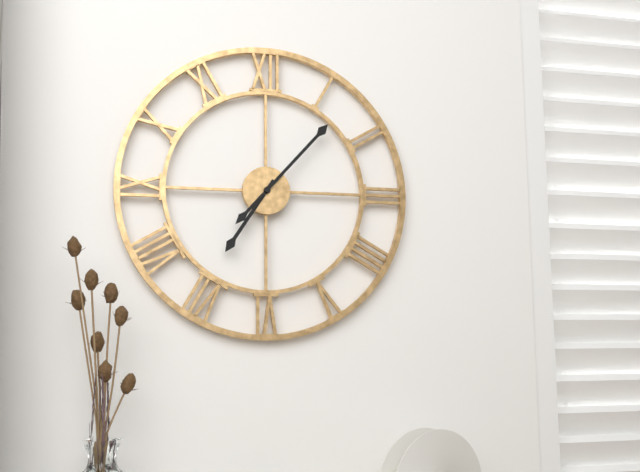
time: 7:07
